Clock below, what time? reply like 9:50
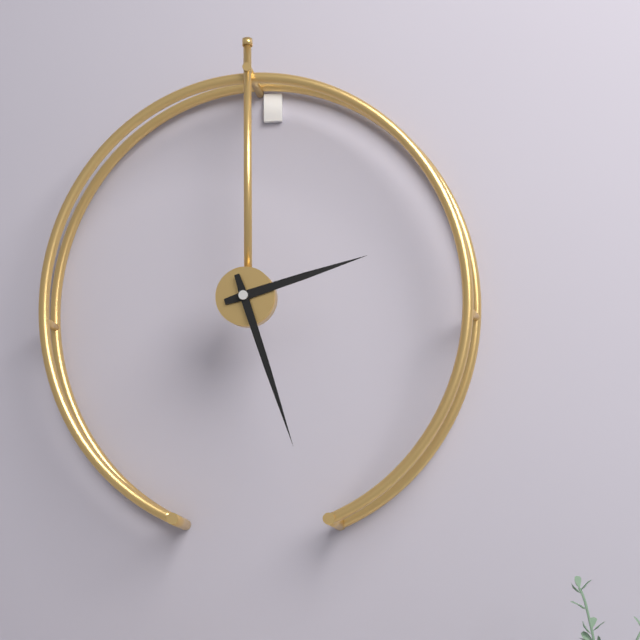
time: 2:27
